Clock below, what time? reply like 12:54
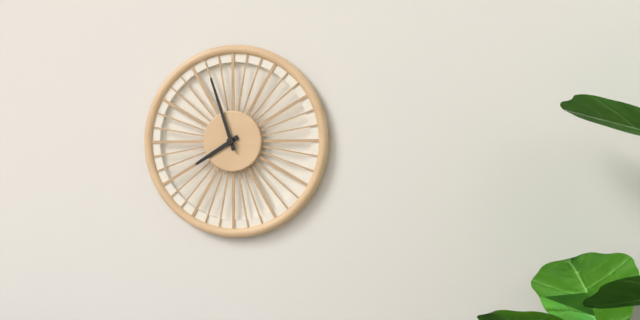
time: 7:57
